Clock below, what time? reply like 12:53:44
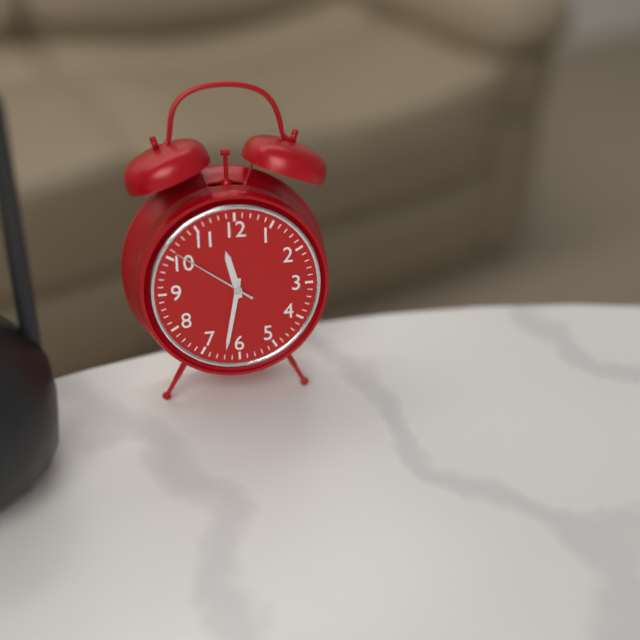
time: 11:32:51
